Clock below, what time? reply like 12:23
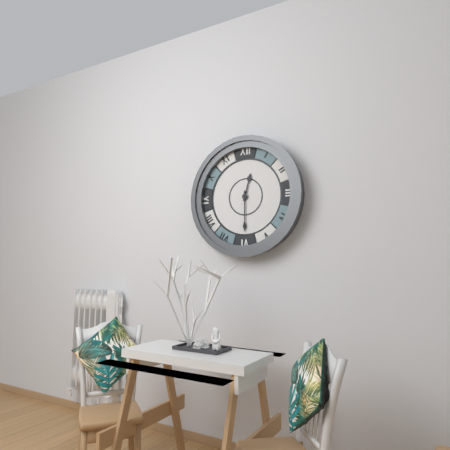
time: 12:30
